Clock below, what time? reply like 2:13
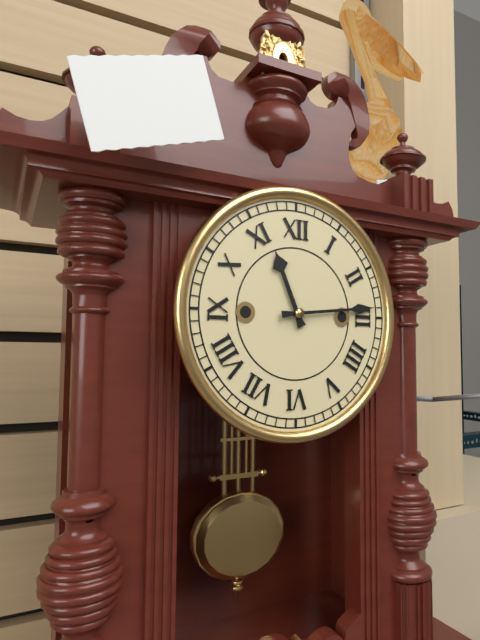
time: 11:14
